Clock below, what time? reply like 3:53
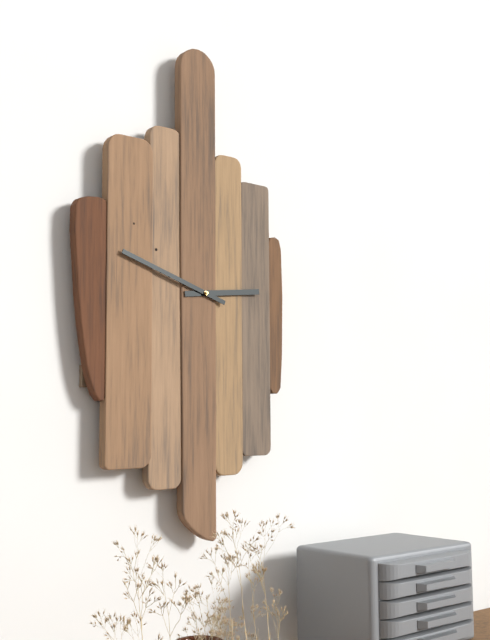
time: 2:48
